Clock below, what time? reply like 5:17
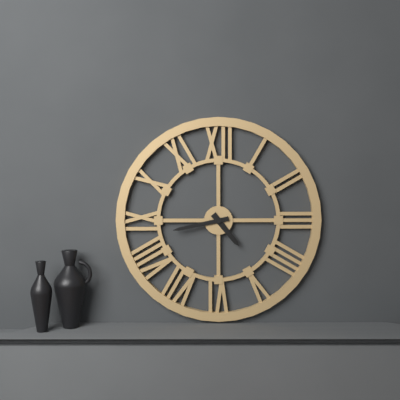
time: 4:43
